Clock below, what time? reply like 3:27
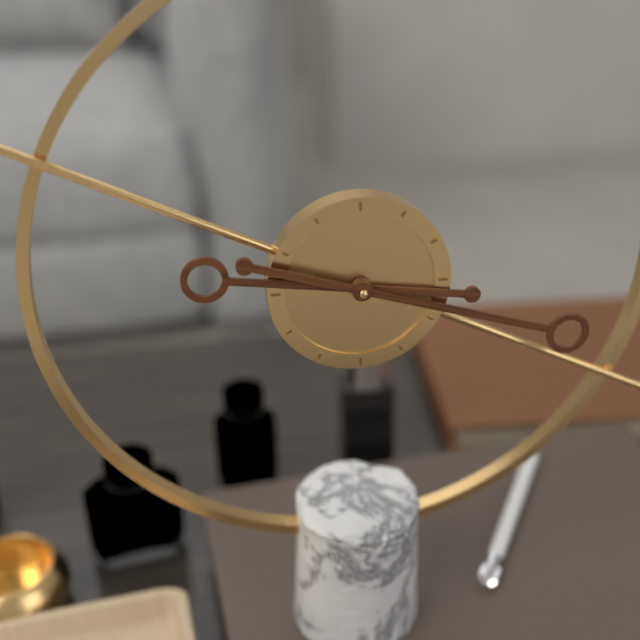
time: 9:18
